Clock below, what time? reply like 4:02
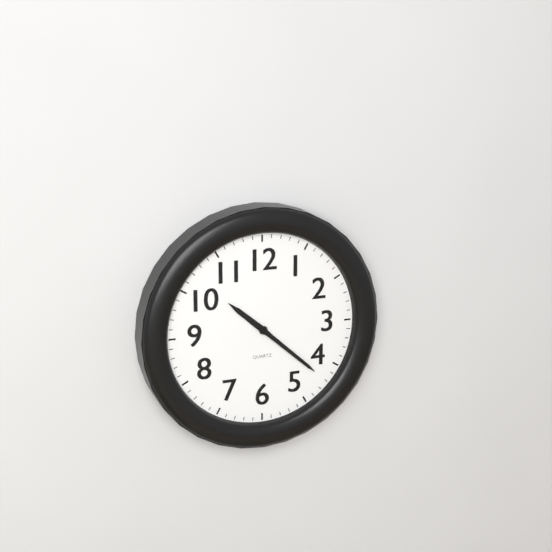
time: 10:22
